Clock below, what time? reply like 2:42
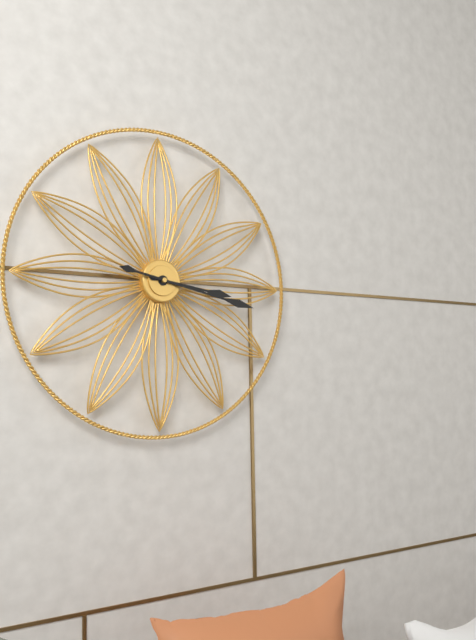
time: 3:17
